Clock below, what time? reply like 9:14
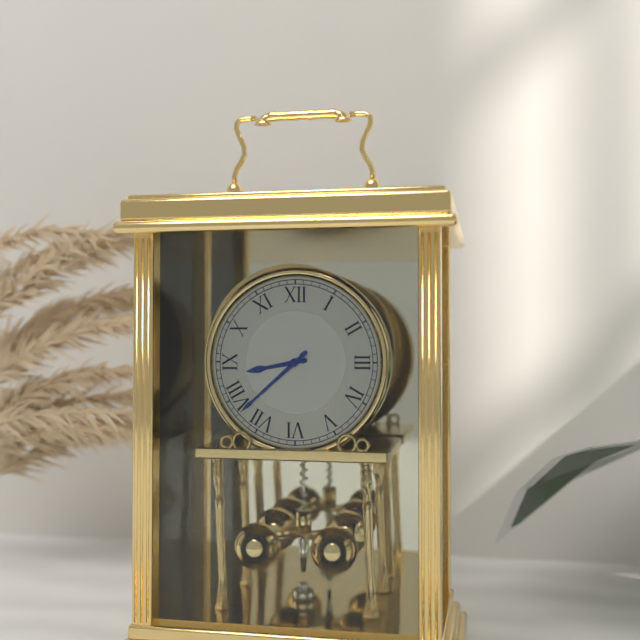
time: 8:38
